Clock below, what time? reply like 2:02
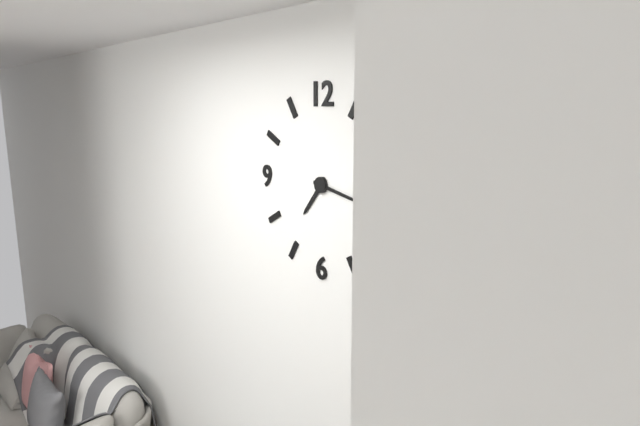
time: 7:17
